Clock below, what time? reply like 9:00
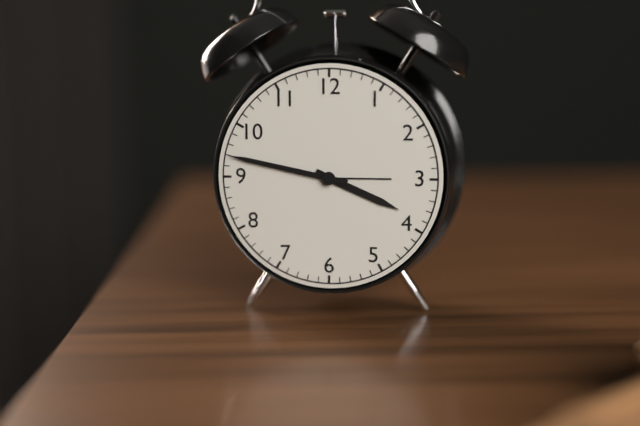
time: 3:47
